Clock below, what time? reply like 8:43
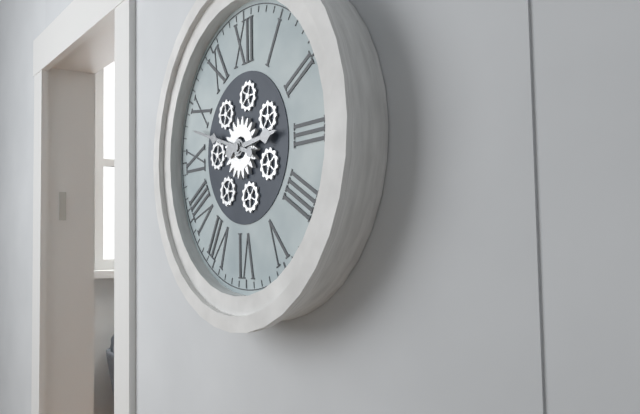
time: 2:48
